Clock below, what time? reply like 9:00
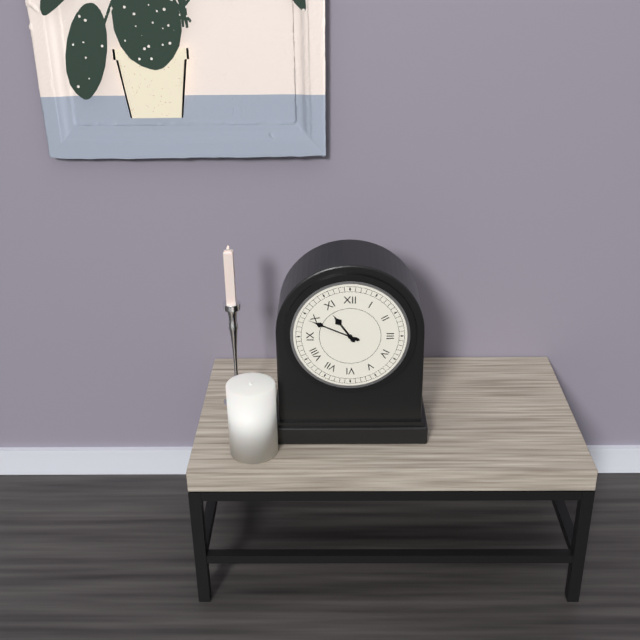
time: 10:49
